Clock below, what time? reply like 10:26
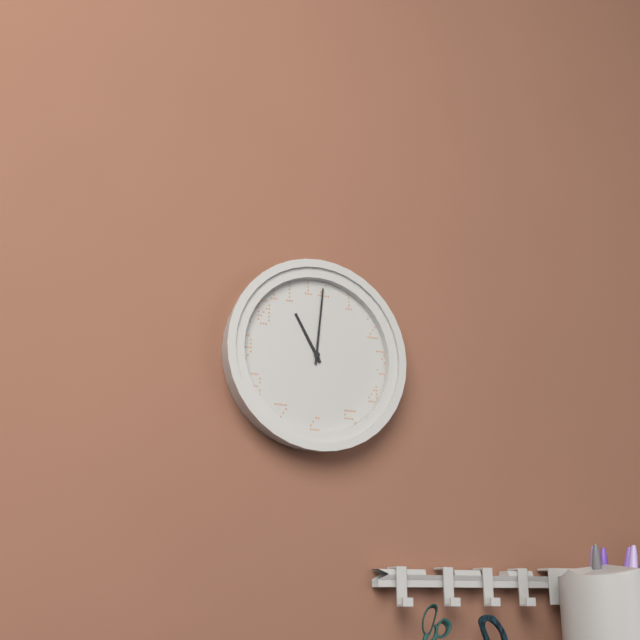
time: 11:01
